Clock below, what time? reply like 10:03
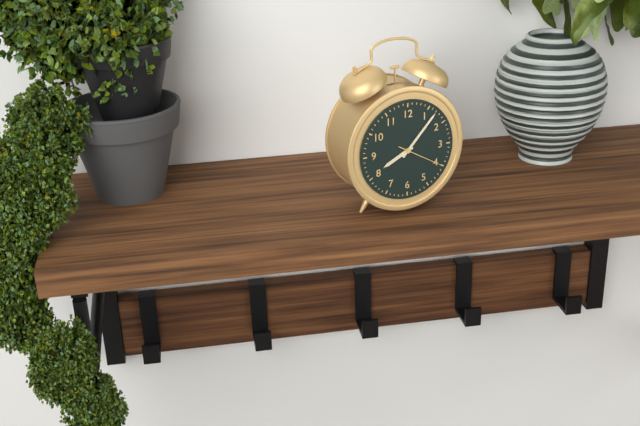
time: 8:07
